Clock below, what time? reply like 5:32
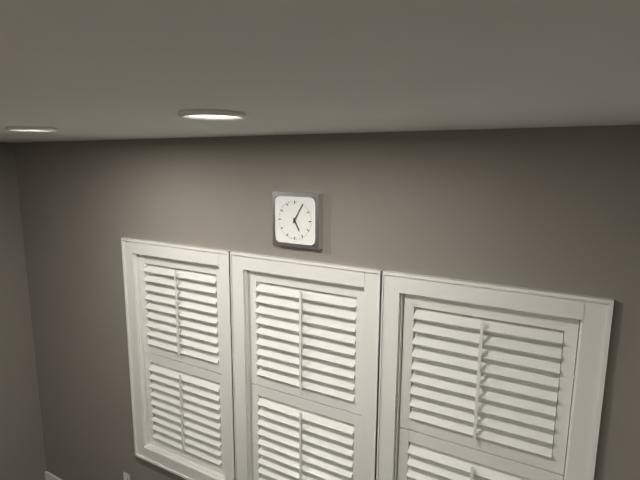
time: 5:05
